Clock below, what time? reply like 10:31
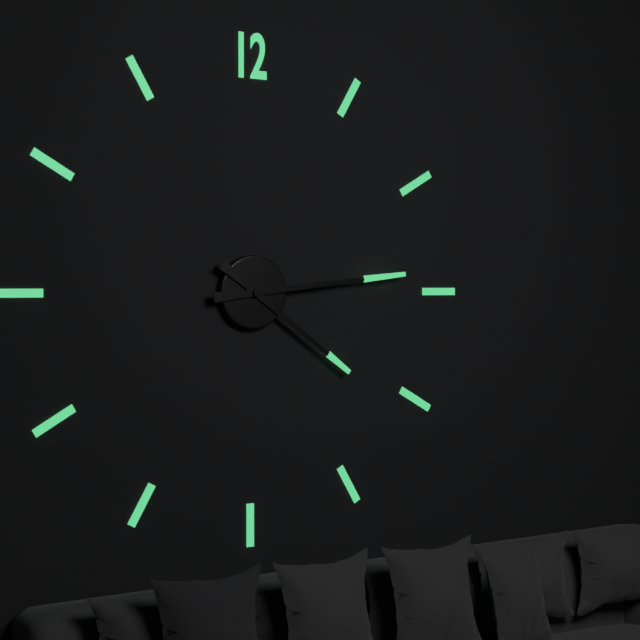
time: 4:14
